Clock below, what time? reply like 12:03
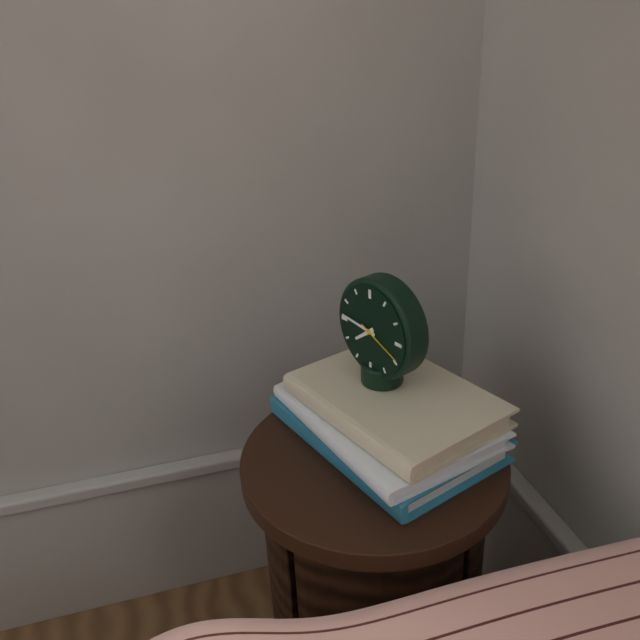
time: 7:46
